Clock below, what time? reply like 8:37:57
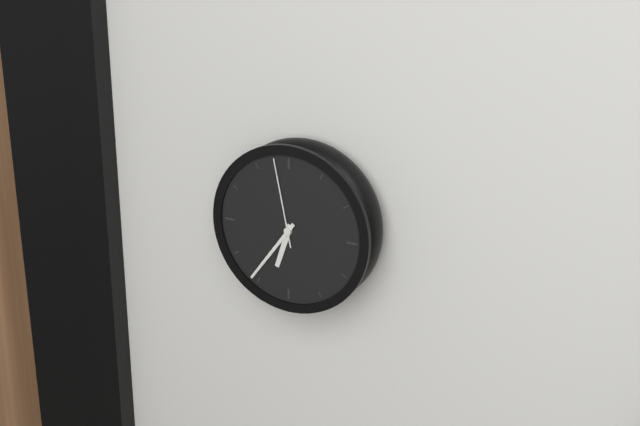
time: 6:36:58
